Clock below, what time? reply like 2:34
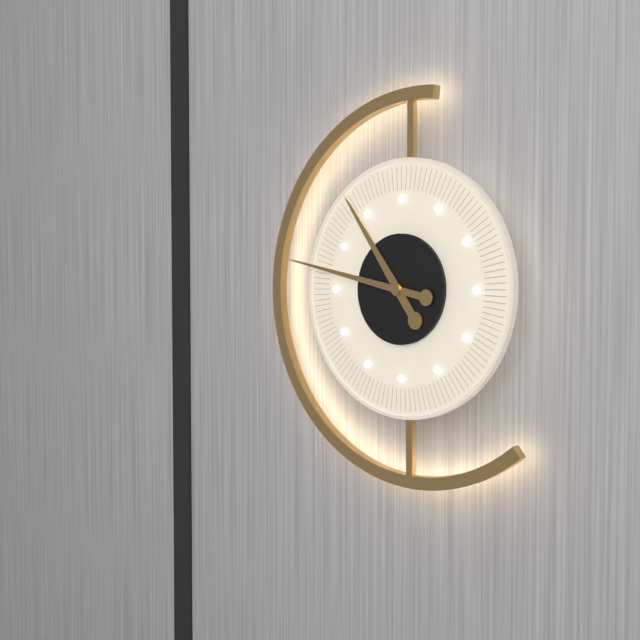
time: 10:47
